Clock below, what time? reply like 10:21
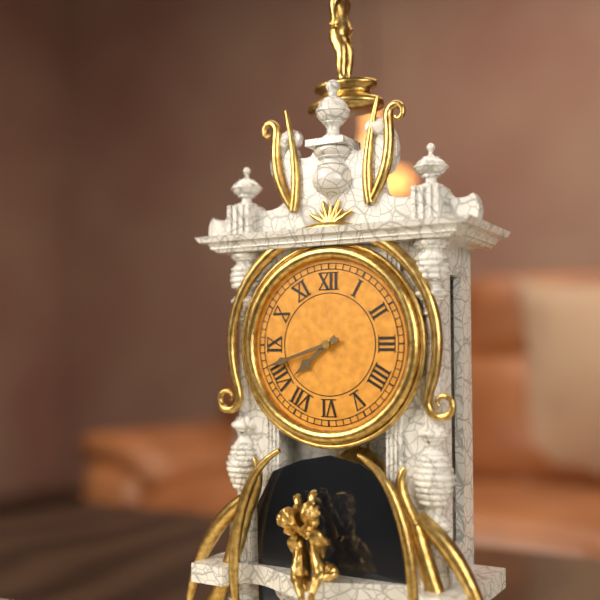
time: 7:42
